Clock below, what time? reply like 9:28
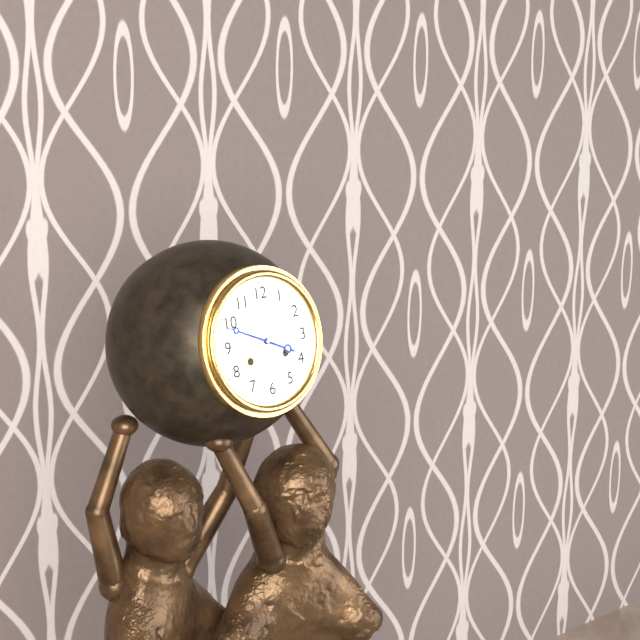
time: 3:49
